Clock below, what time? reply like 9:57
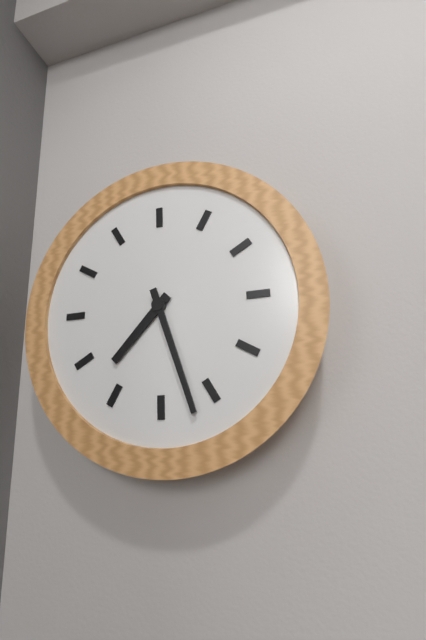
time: 7:27
